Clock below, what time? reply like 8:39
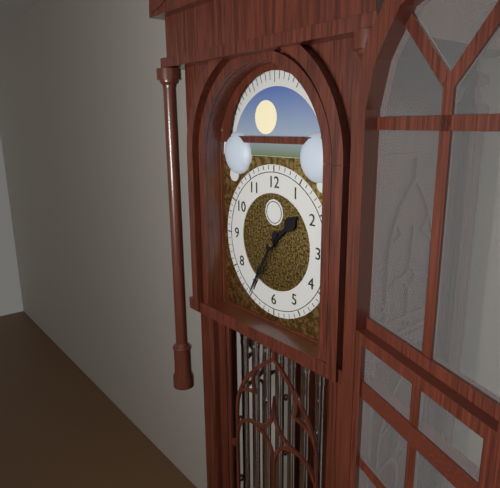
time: 1:35
